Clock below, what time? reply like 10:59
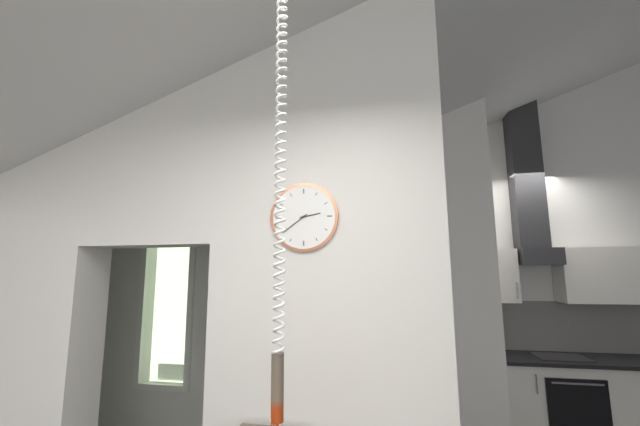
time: 2:39
